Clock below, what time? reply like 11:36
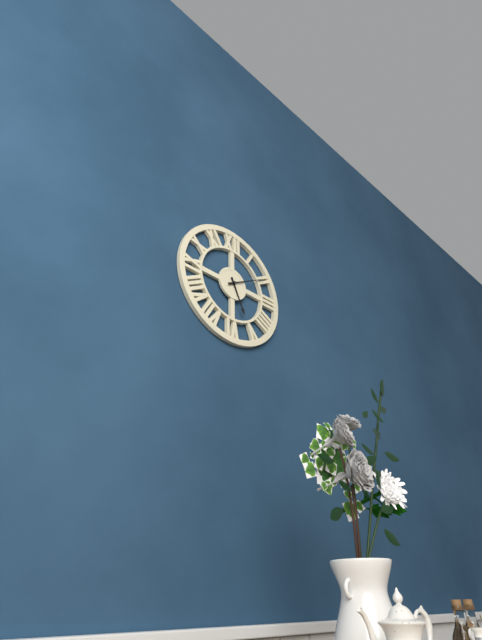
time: 5:10
